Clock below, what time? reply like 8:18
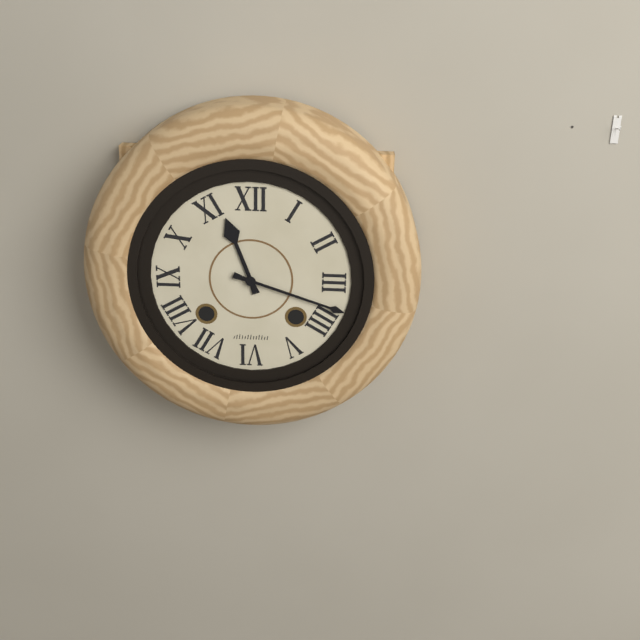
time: 11:18
